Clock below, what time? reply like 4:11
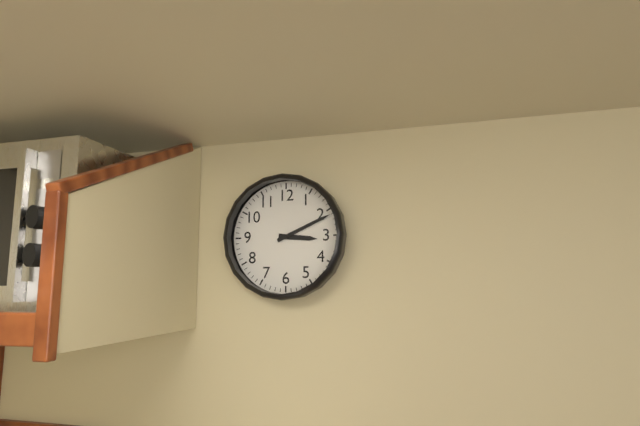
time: 3:11
